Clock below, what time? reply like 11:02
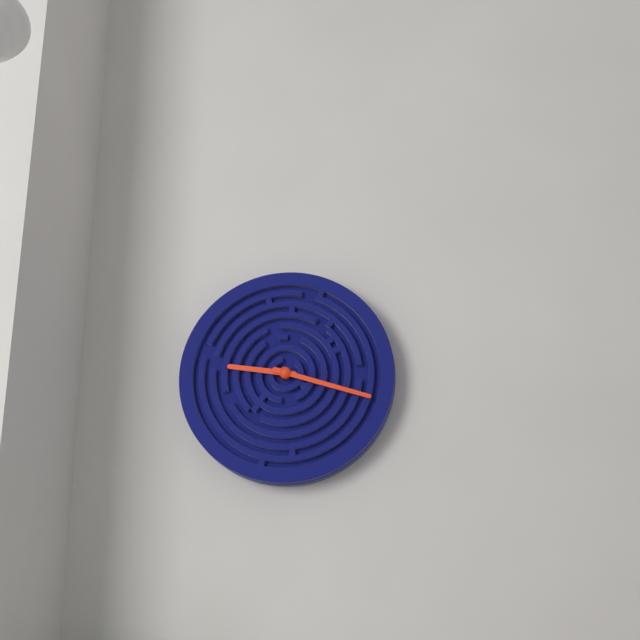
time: 9:18
